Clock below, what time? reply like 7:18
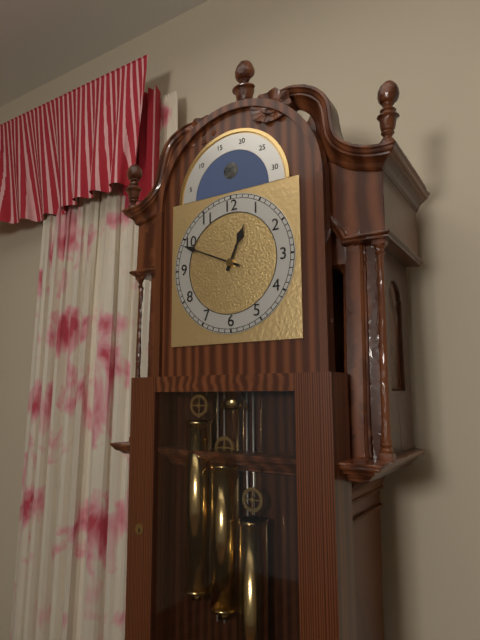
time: 12:49
